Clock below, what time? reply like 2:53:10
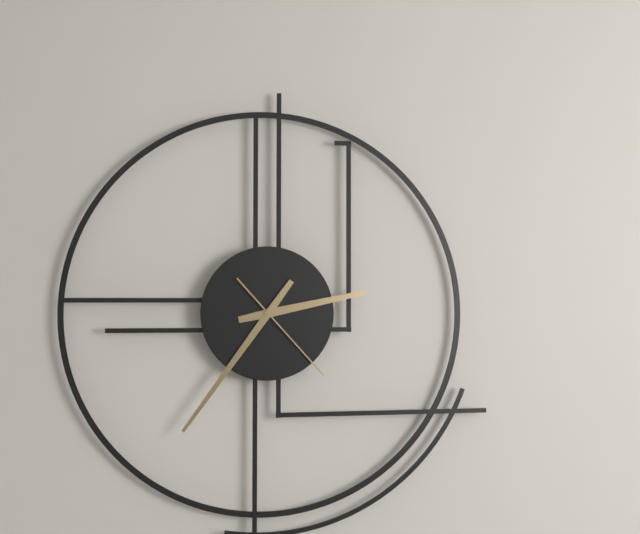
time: 2:36:23
